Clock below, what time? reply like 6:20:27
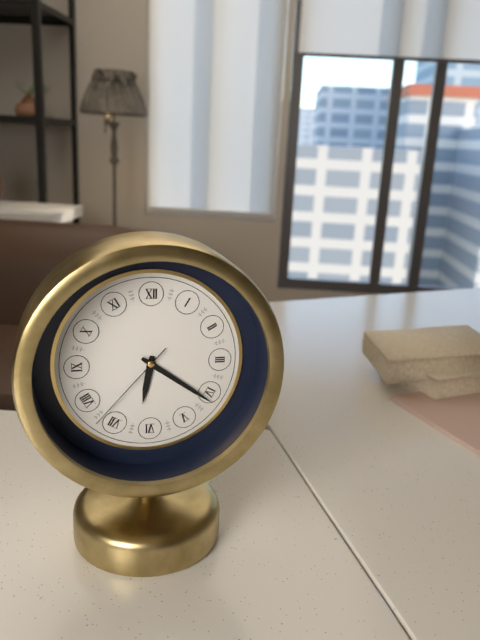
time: 6:21:37
